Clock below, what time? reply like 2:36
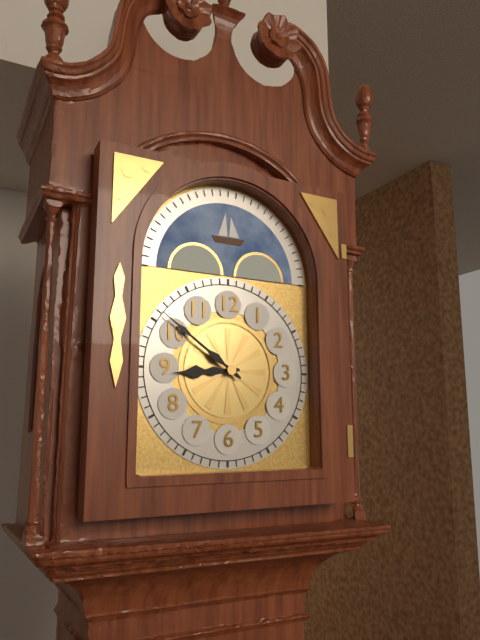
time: 8:51
